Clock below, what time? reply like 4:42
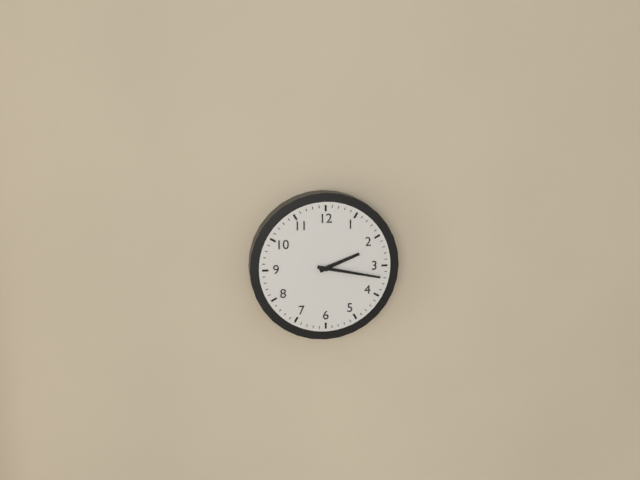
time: 2:17
